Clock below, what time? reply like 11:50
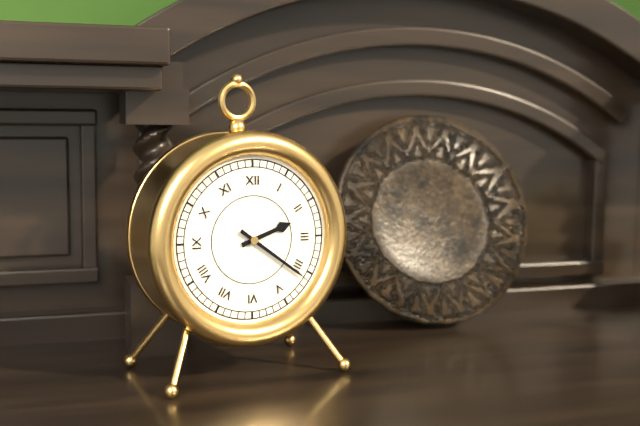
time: 2:21
